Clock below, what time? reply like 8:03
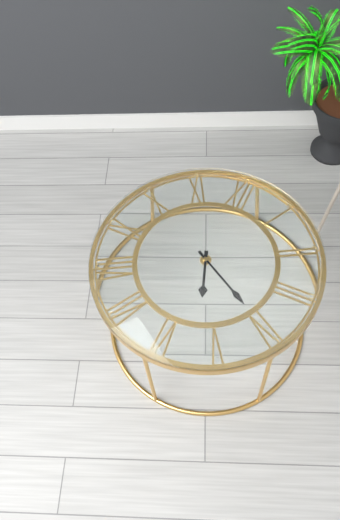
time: 5:20
